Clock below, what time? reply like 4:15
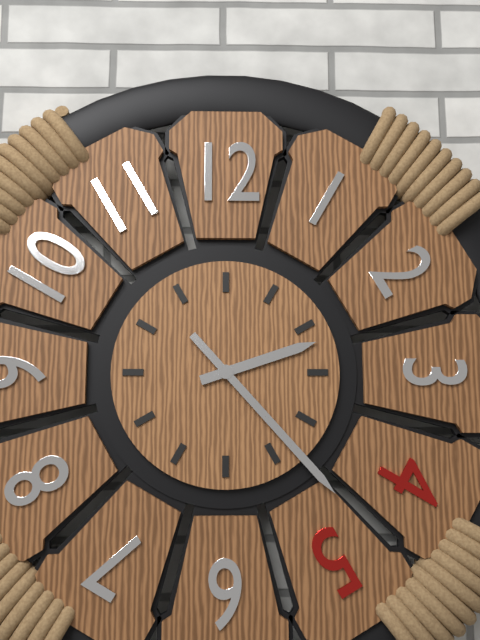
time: 2:23
